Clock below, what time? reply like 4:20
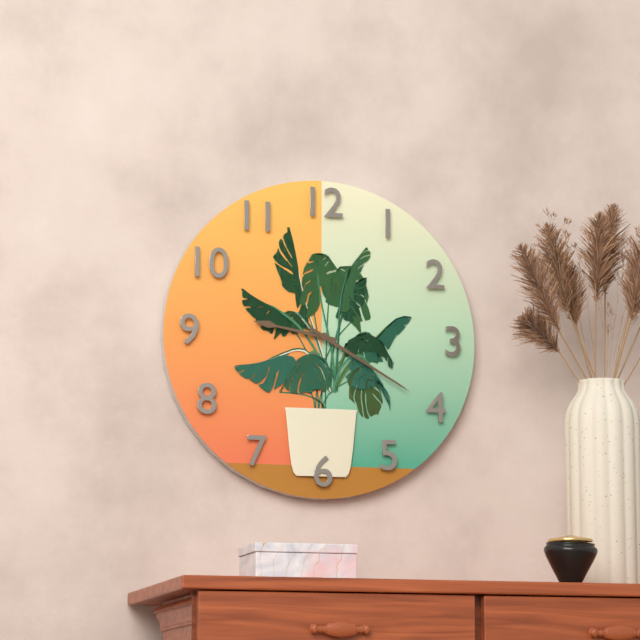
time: 9:20
